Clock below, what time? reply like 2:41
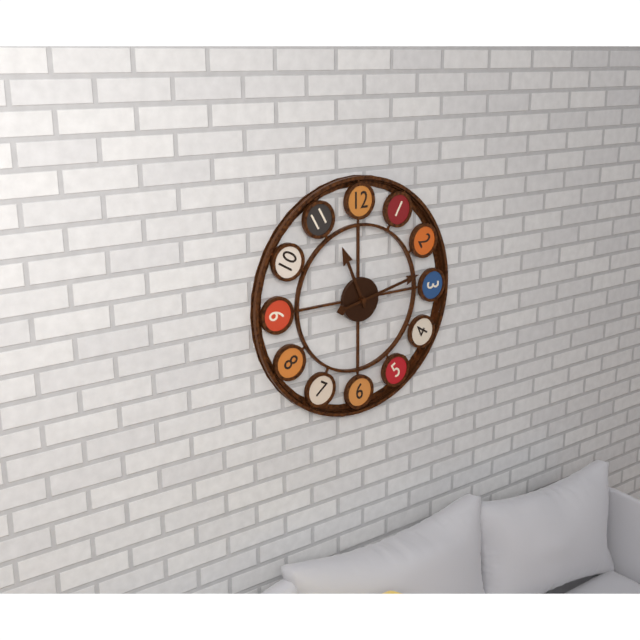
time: 11:13
